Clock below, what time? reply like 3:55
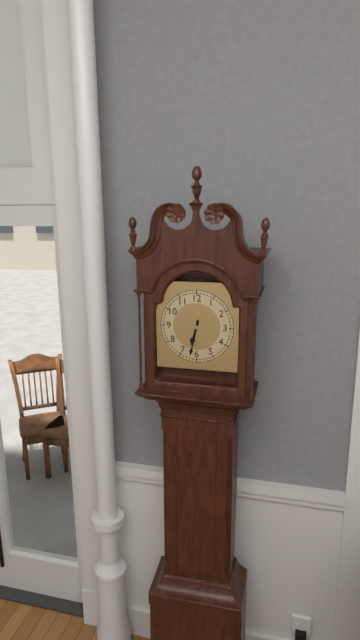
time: 6:32
